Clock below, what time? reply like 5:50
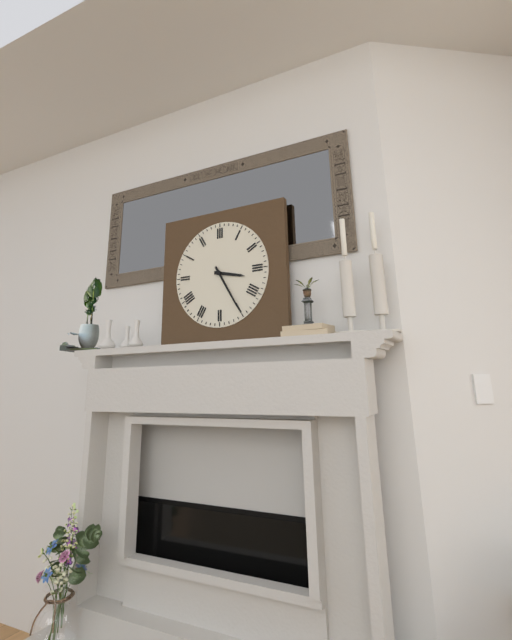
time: 3:25
